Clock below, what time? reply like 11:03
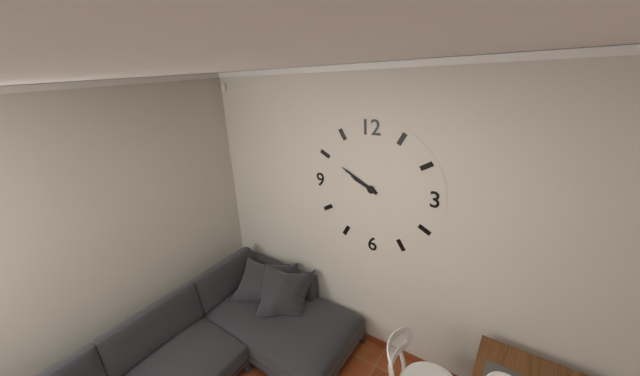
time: 9:50
